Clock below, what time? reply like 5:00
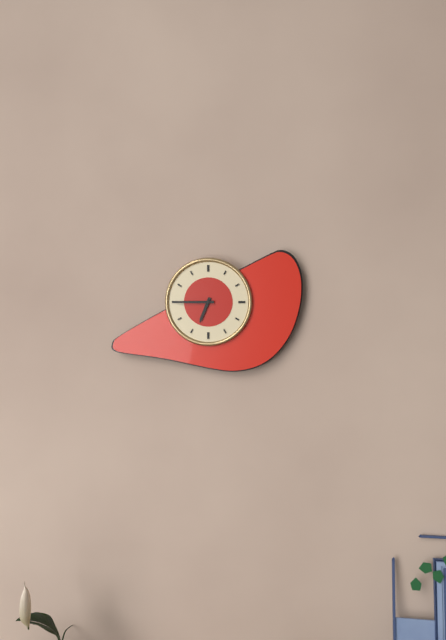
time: 6:45
